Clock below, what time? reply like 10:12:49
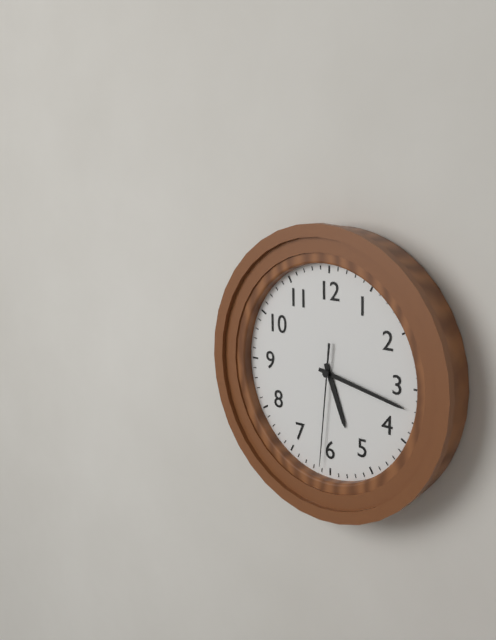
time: 5:17:31
